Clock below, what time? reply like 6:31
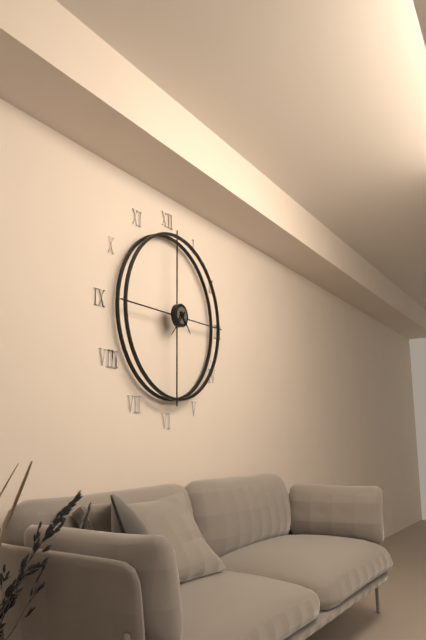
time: 4:37
